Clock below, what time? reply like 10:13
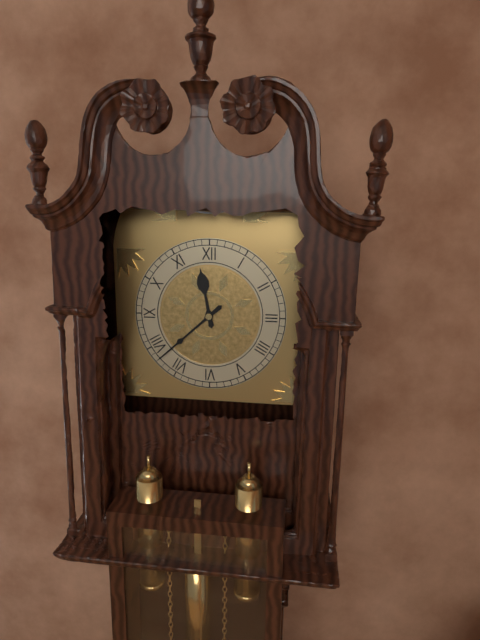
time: 11:38
